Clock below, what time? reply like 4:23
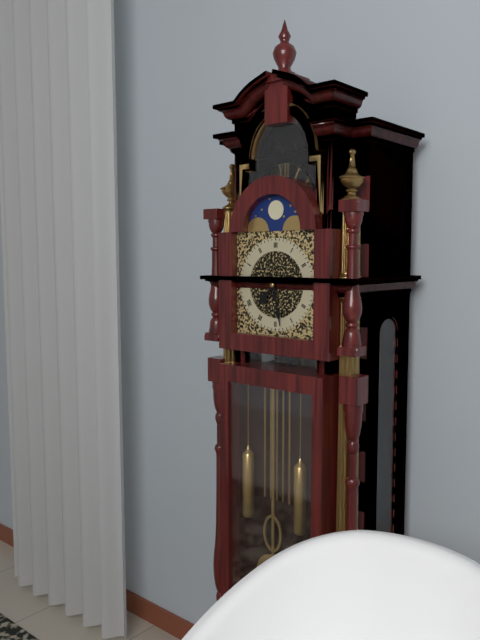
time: 7:28
